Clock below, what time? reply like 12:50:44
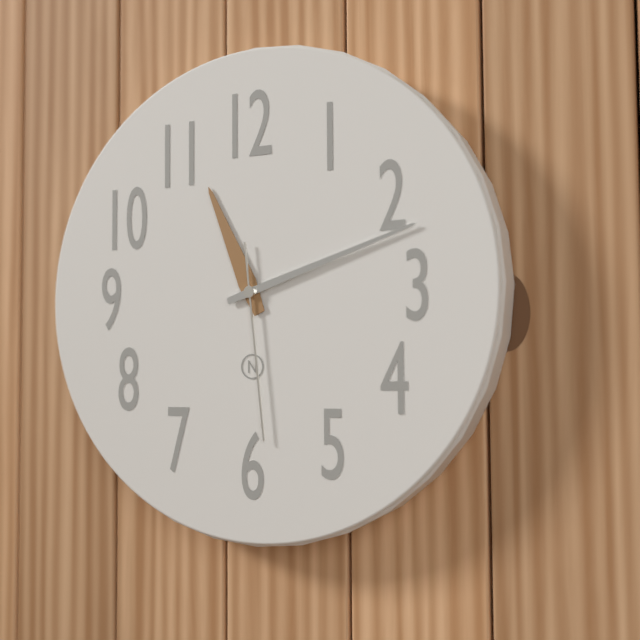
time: 11:12:29
